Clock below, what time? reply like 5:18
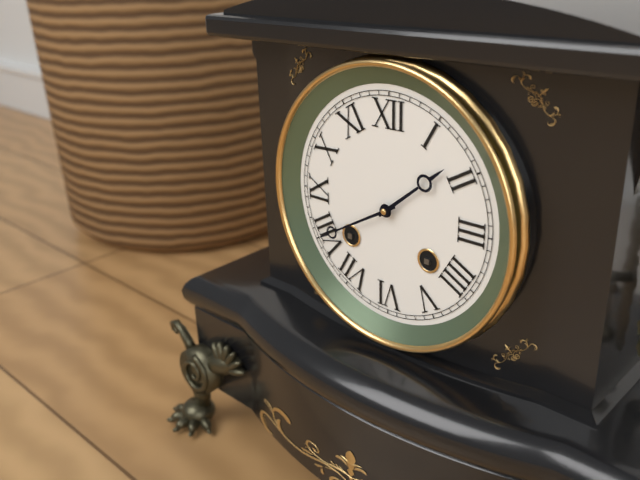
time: 1:40
